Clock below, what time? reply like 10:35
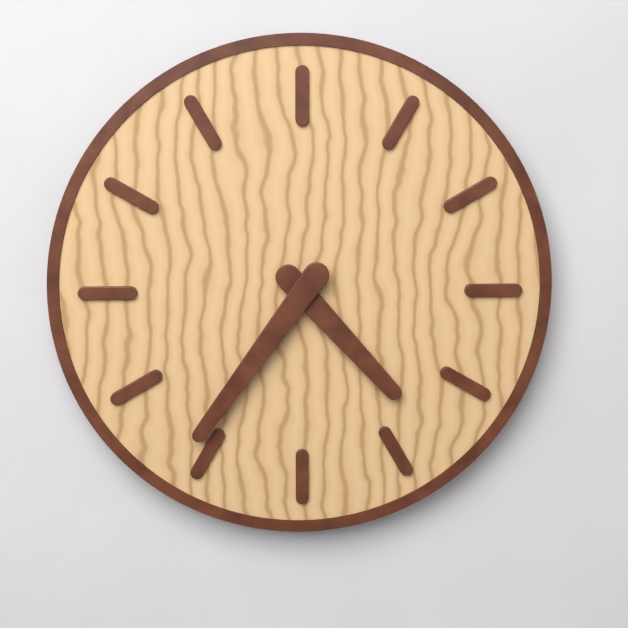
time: 4:36
